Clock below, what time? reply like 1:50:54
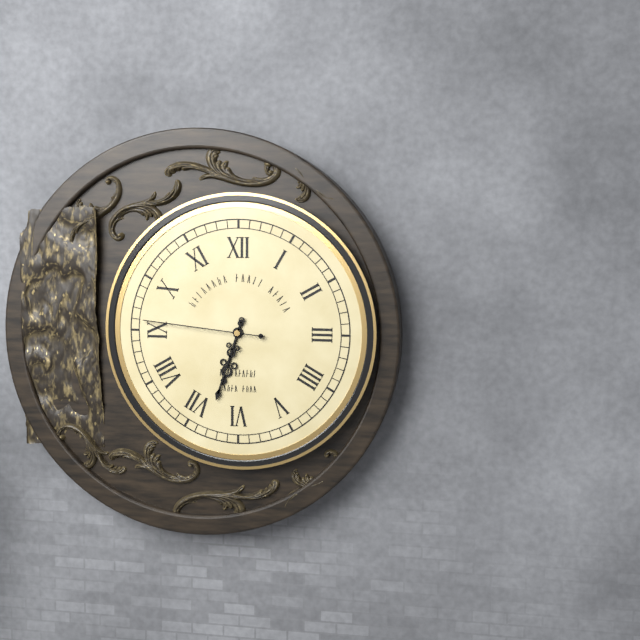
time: 6:33:46
